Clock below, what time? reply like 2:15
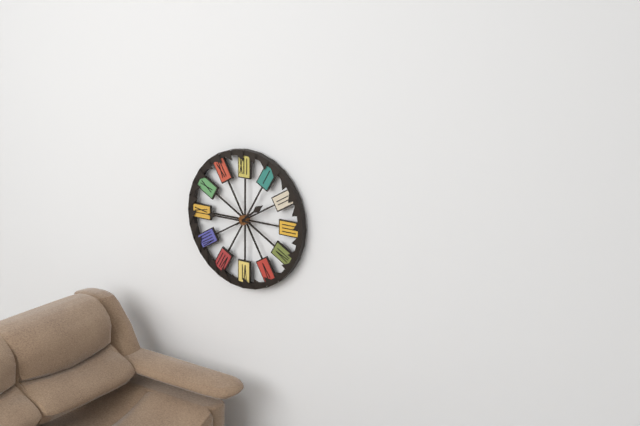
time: 1:45
